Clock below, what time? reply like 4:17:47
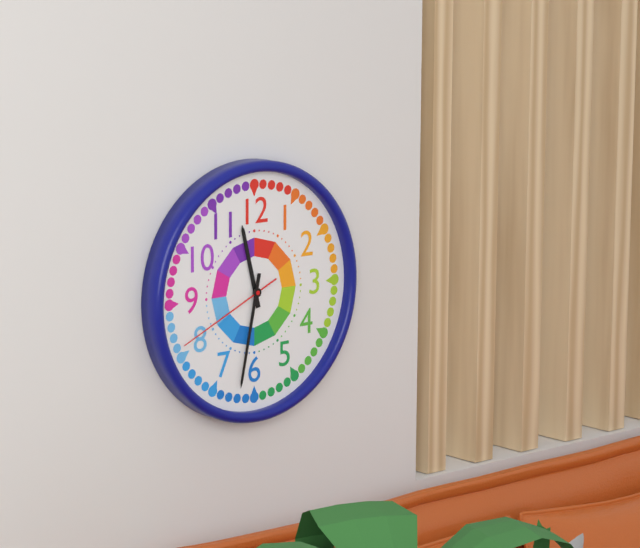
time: 11:32:41
